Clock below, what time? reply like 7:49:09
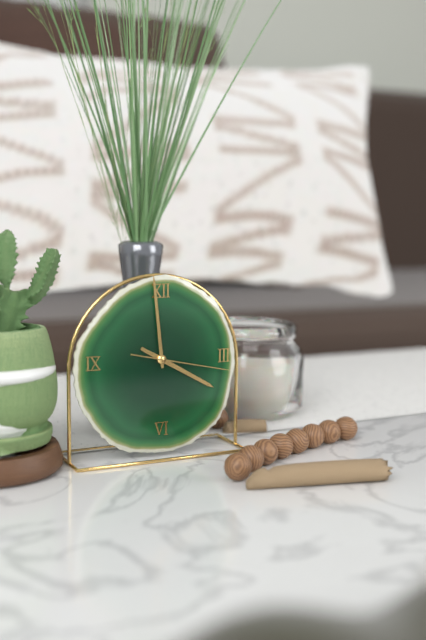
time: 3:59:17
